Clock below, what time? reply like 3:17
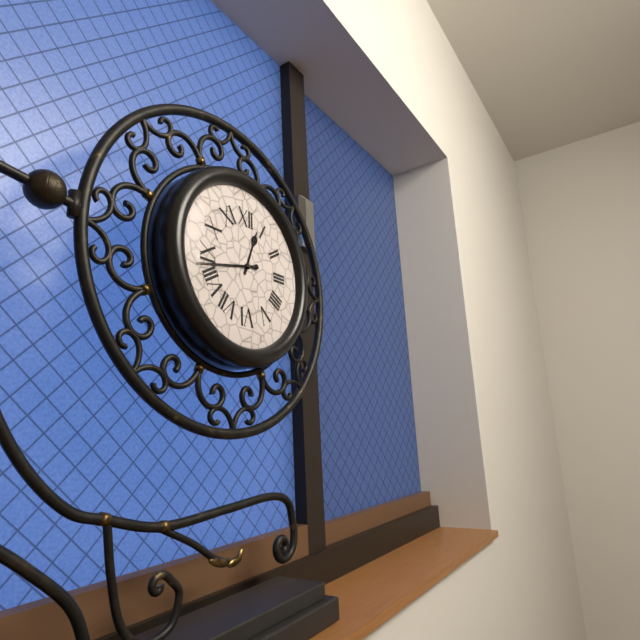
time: 12:43
